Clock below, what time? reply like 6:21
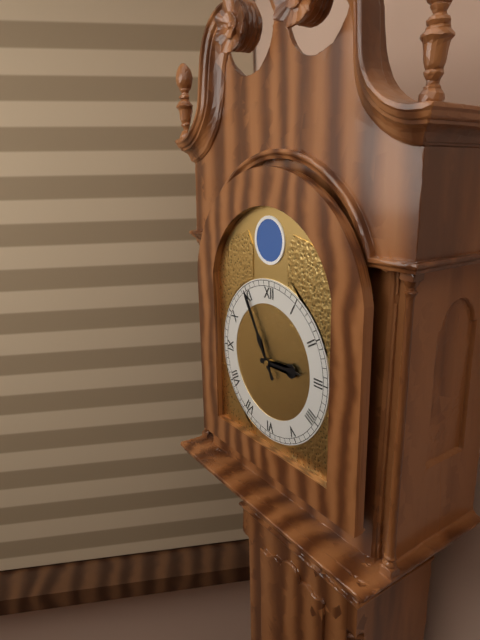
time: 2:55
